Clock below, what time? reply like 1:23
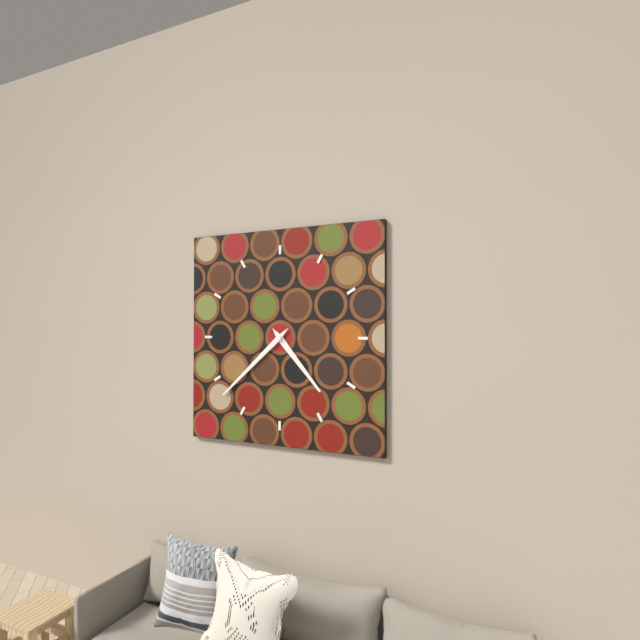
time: 4:38
